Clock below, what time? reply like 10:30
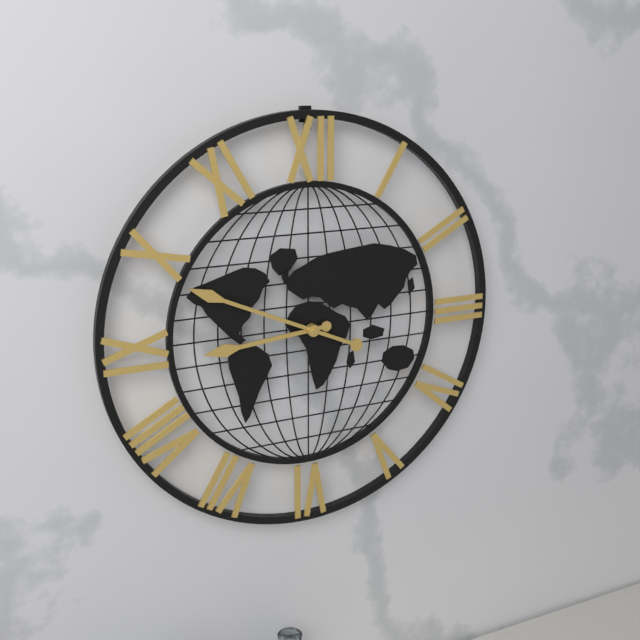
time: 8:49
